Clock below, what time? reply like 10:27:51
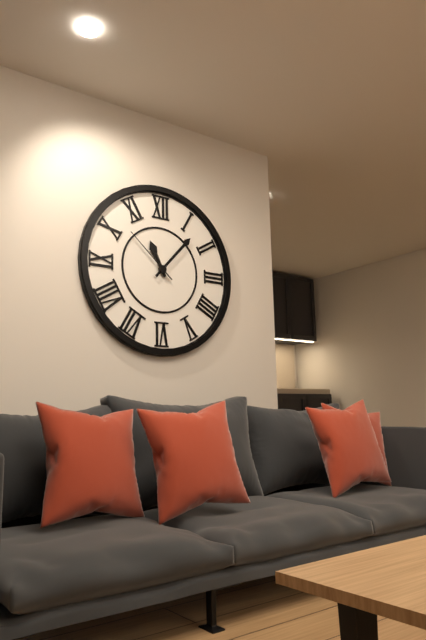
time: 11:07:52
